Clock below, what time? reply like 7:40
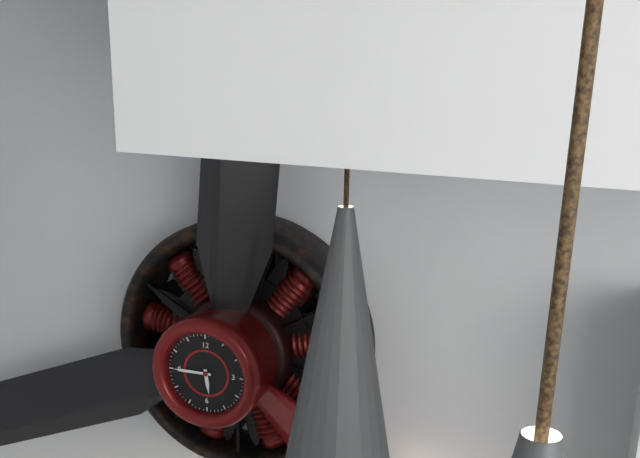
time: 5:45
